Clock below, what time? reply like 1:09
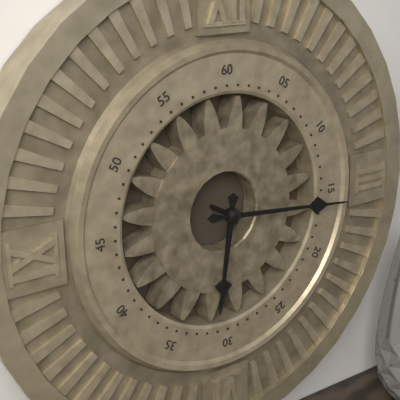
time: 6:16
